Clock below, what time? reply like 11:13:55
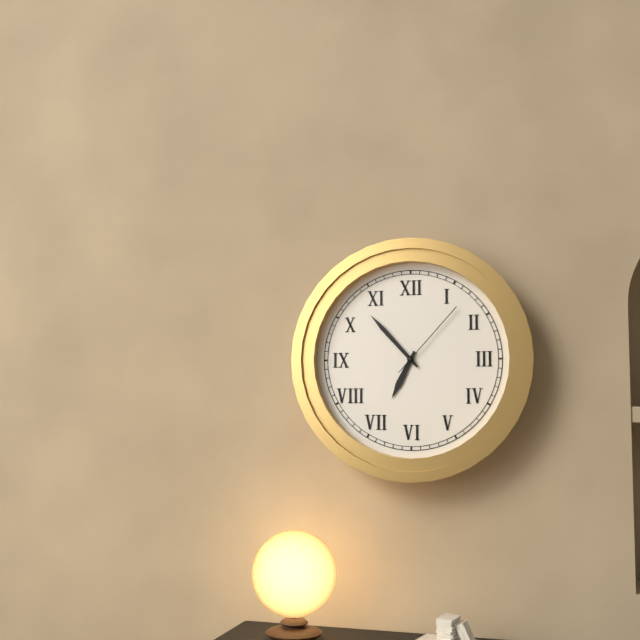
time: 6:53:07
